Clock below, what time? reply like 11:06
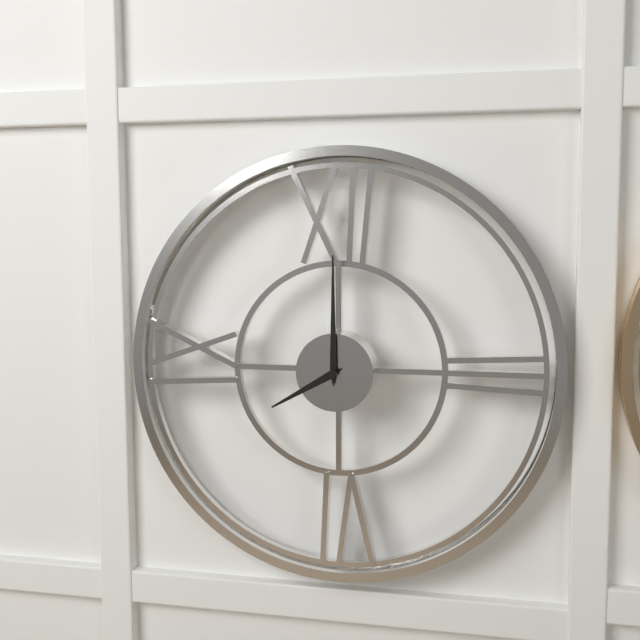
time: 8:00
